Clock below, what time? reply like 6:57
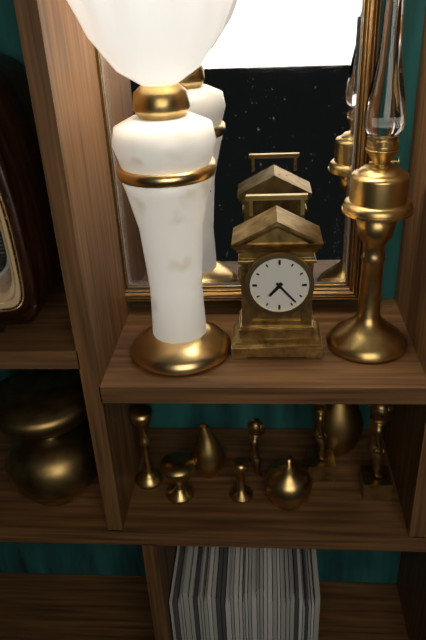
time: 7:23
